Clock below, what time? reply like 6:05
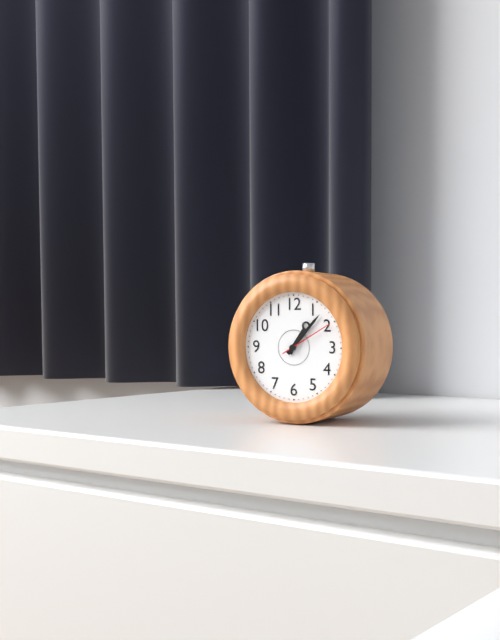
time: 1:07
